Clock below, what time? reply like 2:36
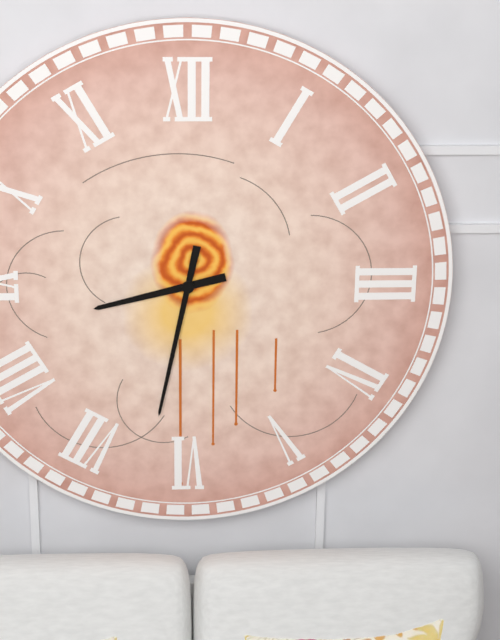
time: 8:32
